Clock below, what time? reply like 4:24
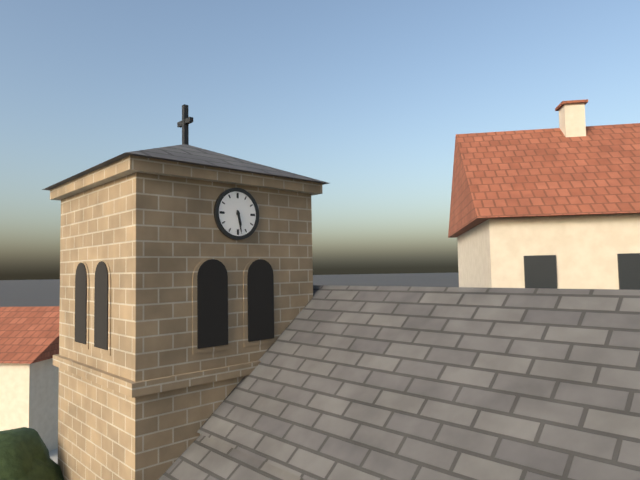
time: 5:28
